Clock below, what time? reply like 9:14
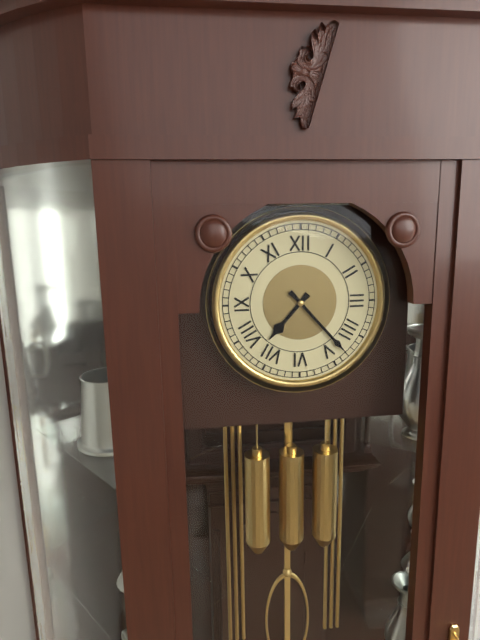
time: 7:23
